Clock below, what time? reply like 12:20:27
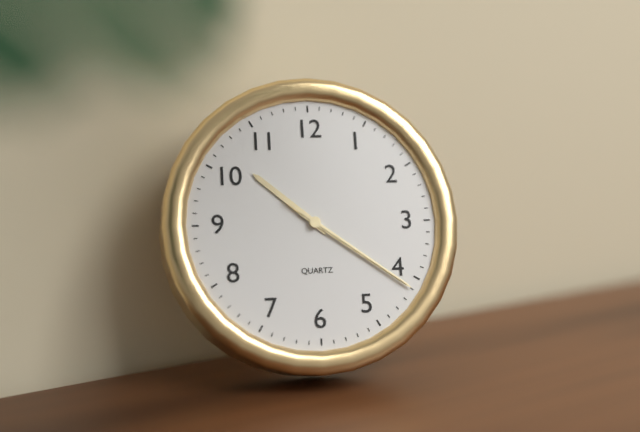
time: 10:21:21
